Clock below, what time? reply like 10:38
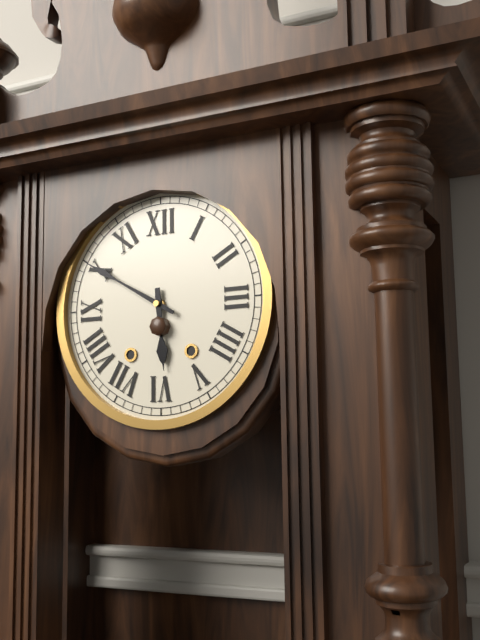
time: 5:50
